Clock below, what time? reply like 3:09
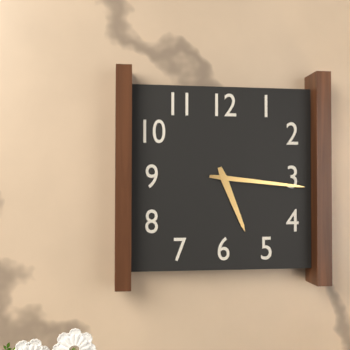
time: 5:16
